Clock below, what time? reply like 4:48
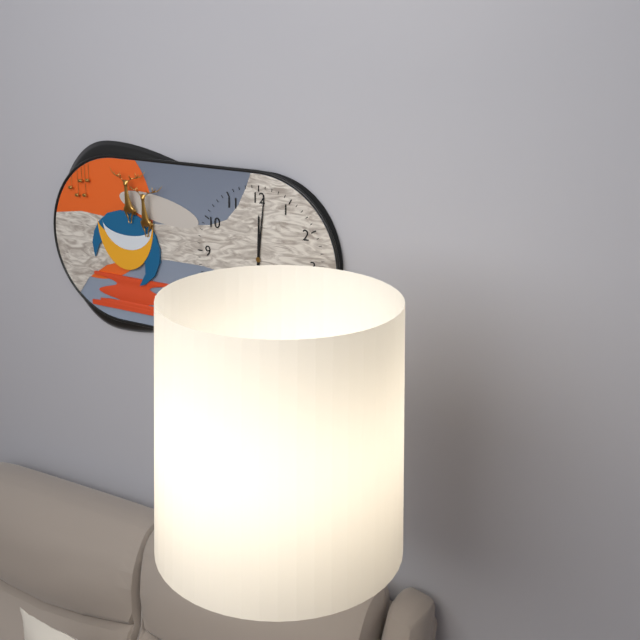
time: 12:01
